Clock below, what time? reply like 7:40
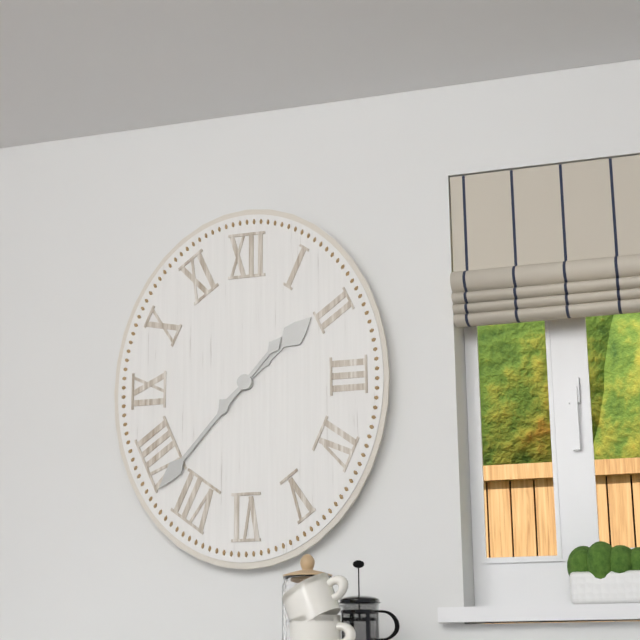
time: 1:37
